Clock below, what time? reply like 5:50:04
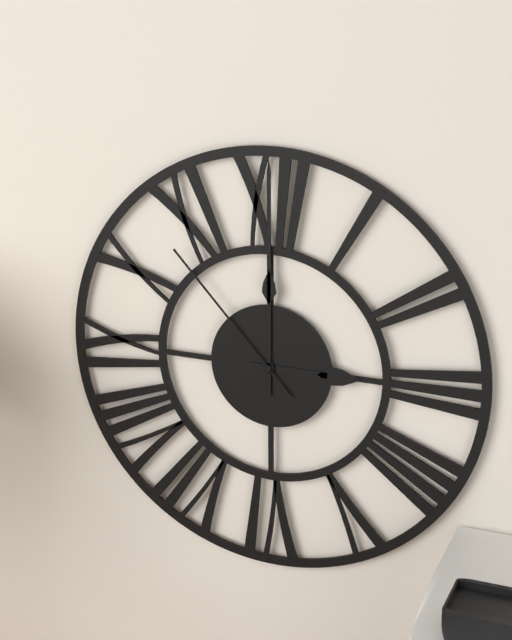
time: 3:00:53
